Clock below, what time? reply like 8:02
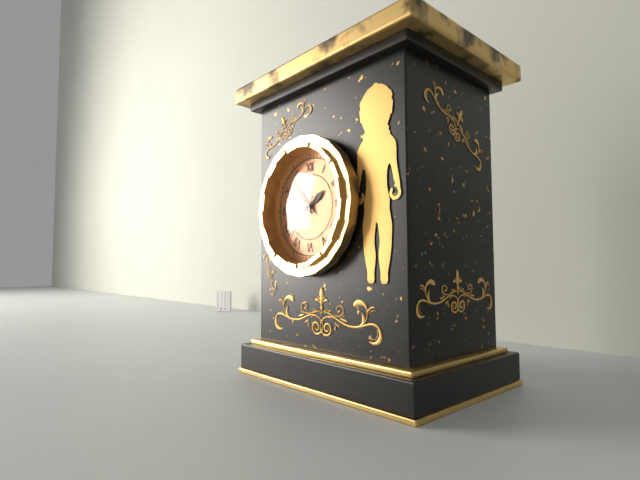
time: 1:53
